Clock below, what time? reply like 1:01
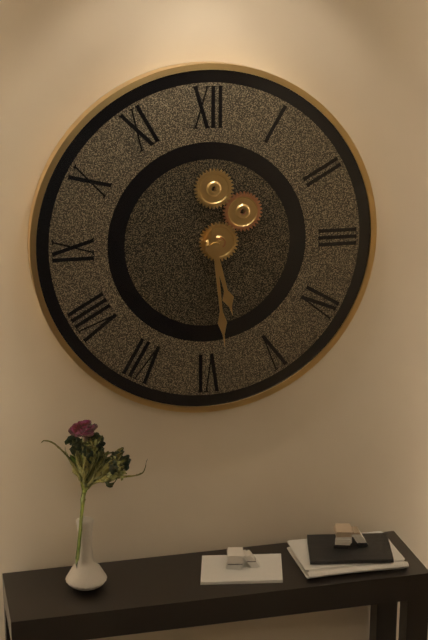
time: 5:29
